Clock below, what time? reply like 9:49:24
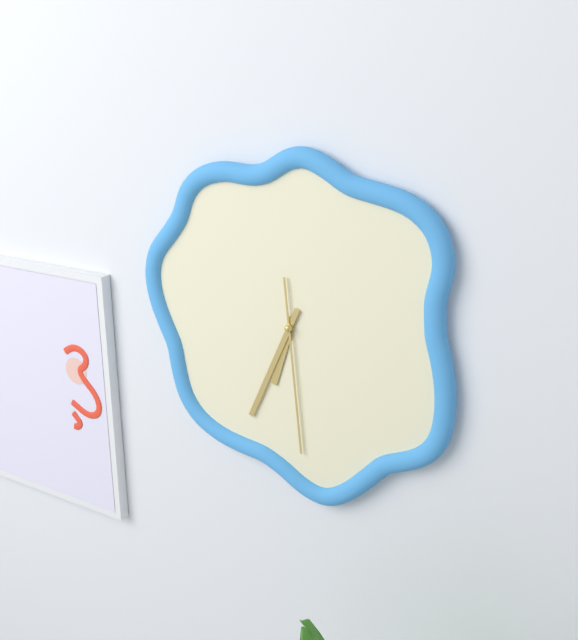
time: 6:34:29
